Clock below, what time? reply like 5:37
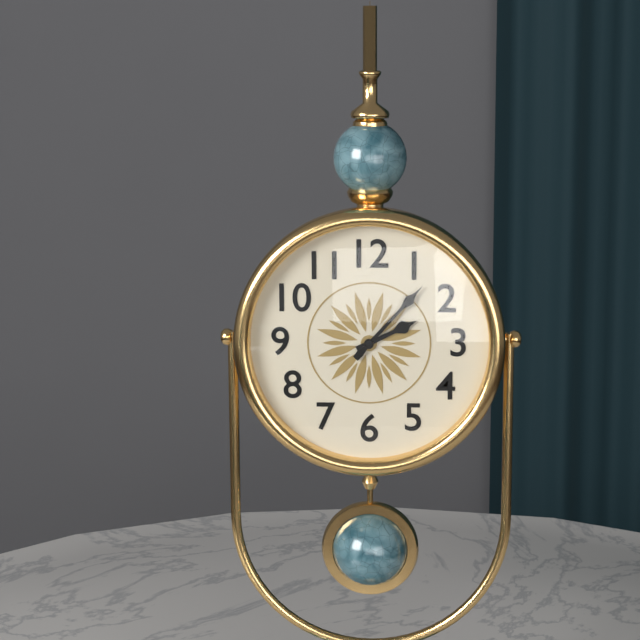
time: 2:07
